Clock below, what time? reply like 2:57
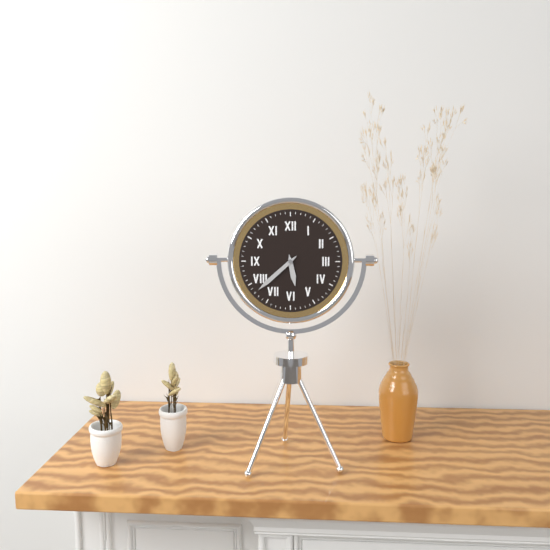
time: 5:38
